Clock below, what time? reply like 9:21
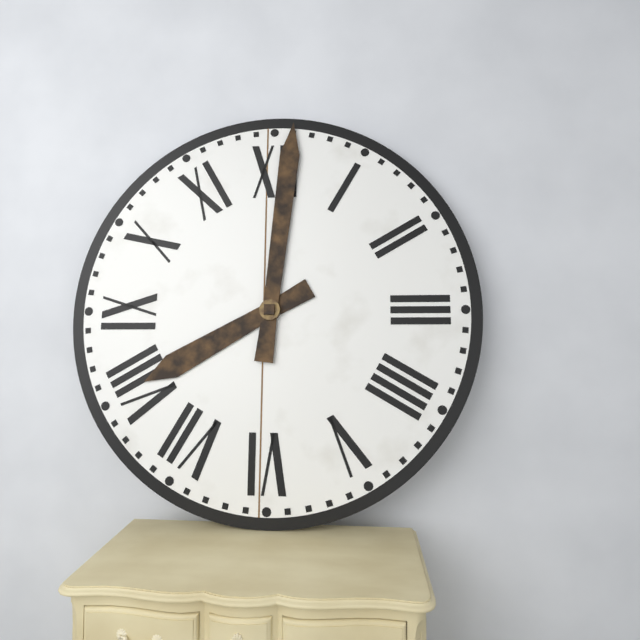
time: 8:01
